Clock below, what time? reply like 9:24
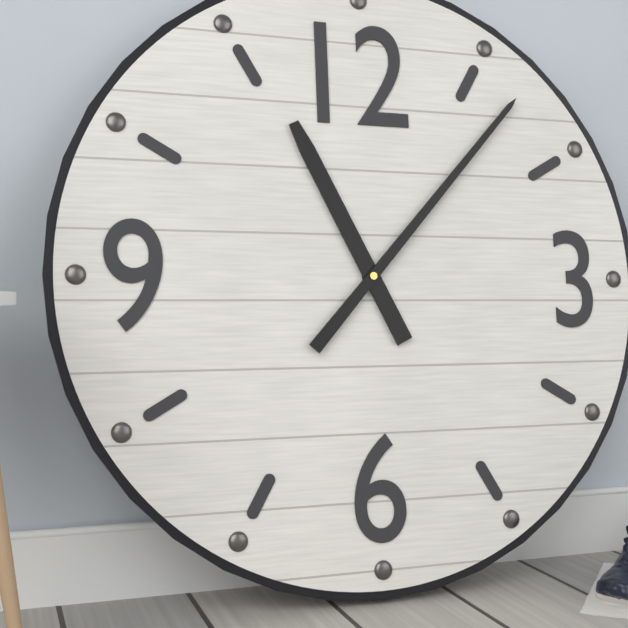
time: 11:07
